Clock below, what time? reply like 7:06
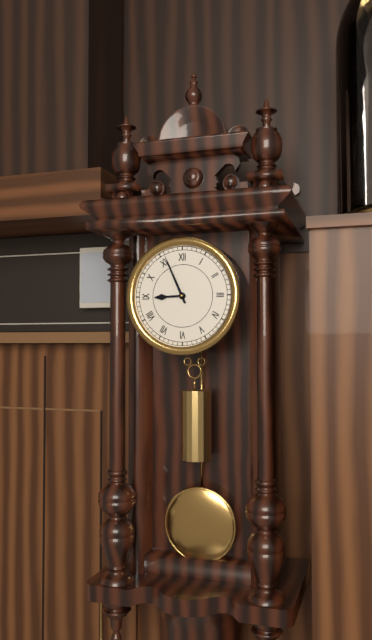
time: 8:56
